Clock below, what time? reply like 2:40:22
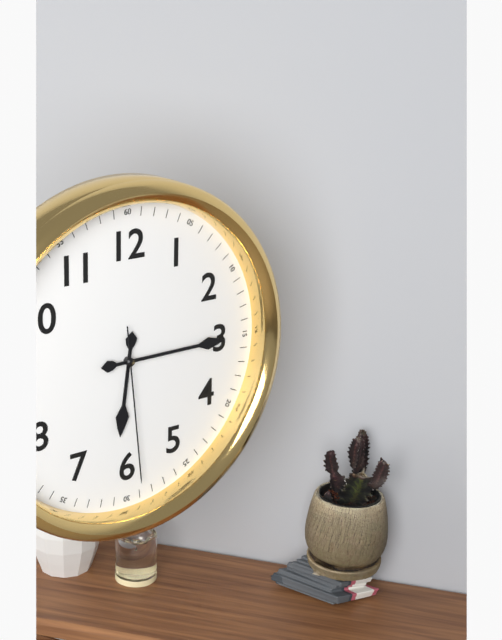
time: 6:15:29
